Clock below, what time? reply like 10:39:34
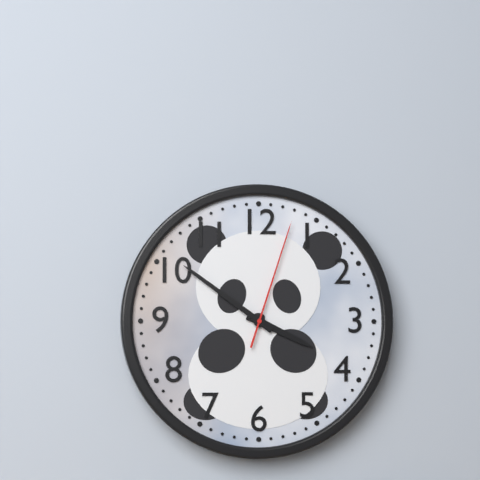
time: 3:51:03
